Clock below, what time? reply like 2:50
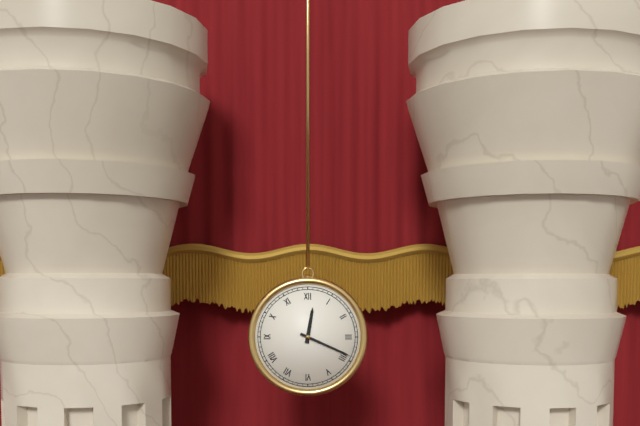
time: 12:19
